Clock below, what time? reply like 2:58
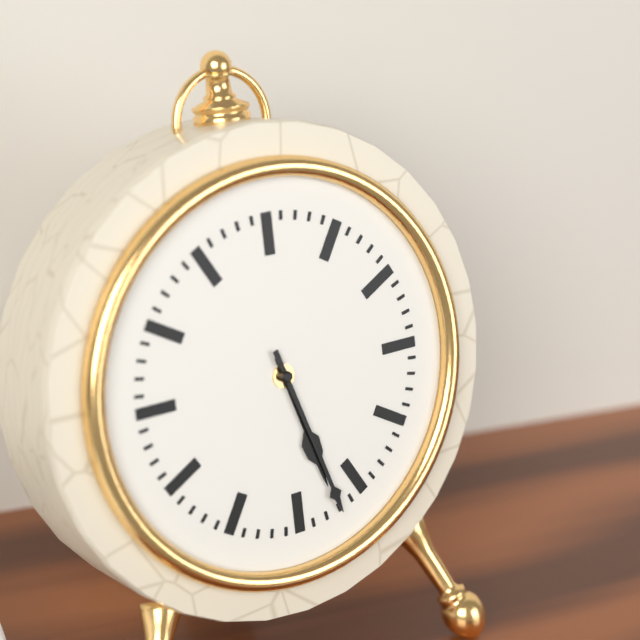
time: 5:27
